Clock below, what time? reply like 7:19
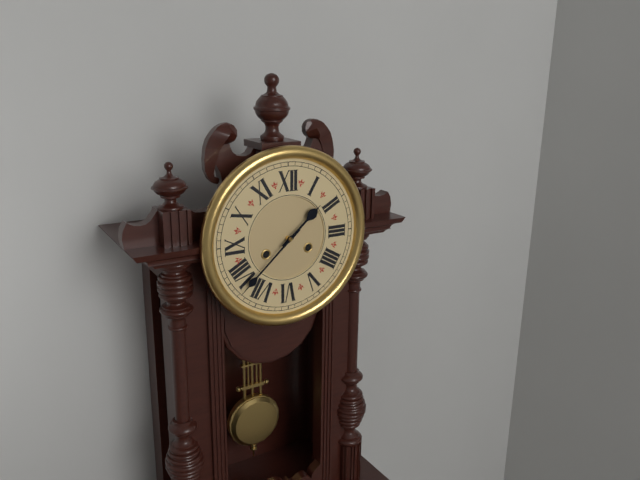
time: 1:38
